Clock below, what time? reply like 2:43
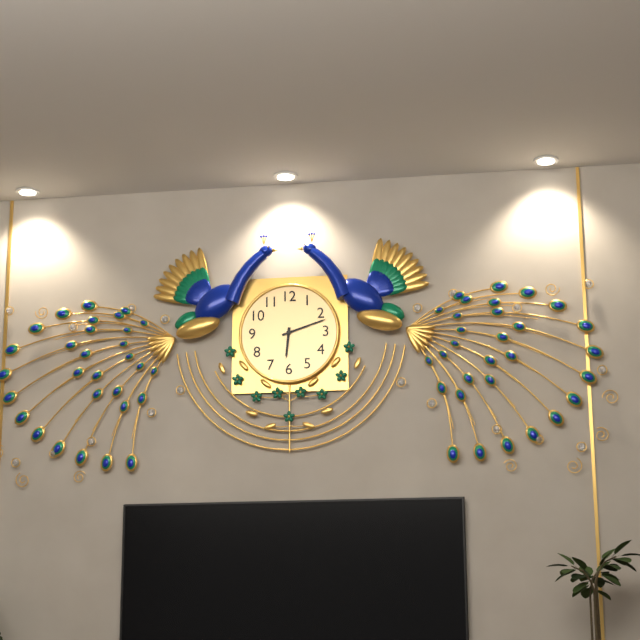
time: 6:12
